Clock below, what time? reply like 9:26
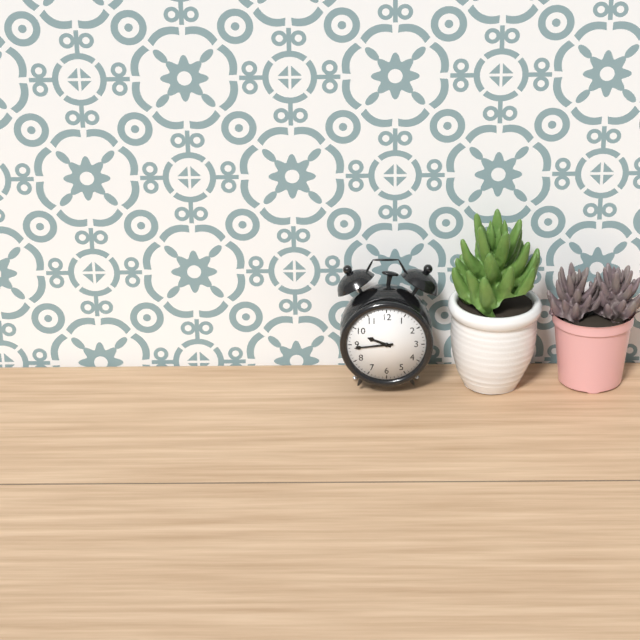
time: 9:44
